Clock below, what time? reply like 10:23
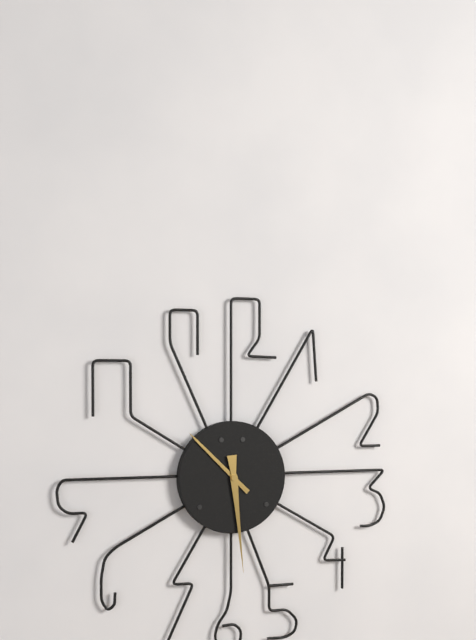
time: 10:29
